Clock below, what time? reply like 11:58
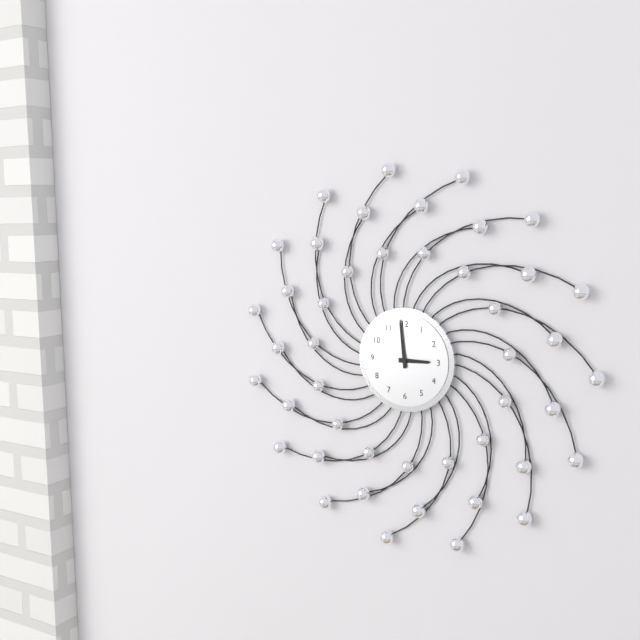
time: 2:59
